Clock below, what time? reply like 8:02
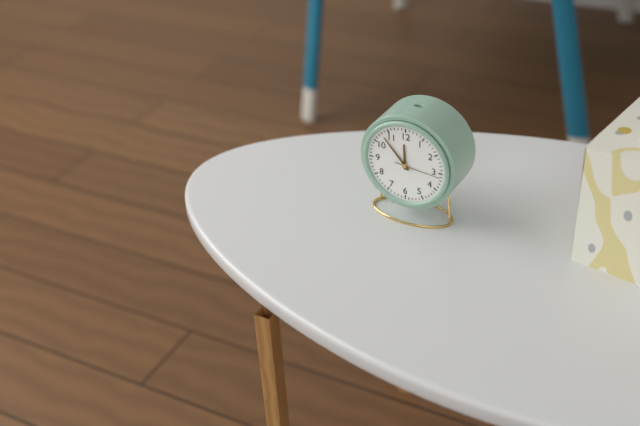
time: 11:53
